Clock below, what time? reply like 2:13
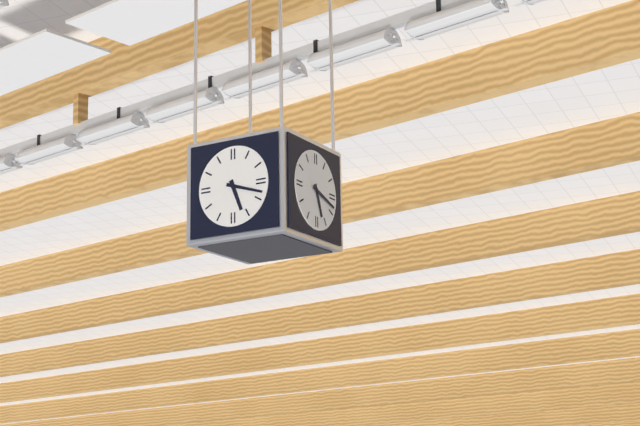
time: 5:18
